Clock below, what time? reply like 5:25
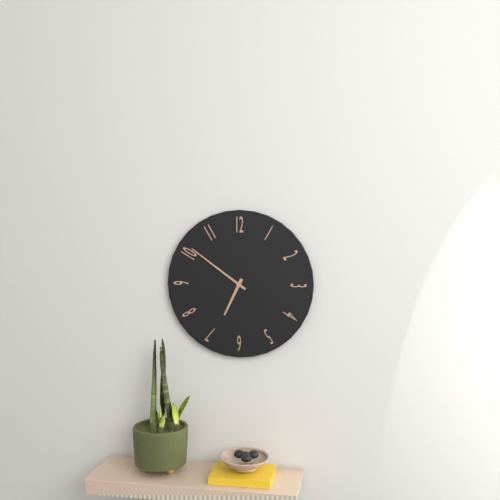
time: 6:51
